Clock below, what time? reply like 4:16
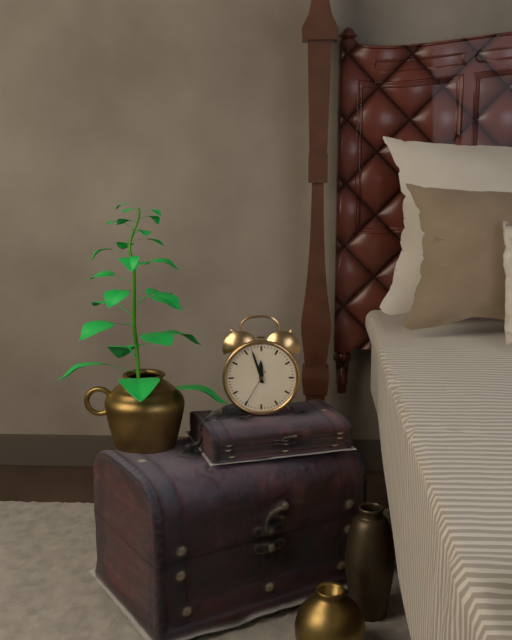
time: 11:57
